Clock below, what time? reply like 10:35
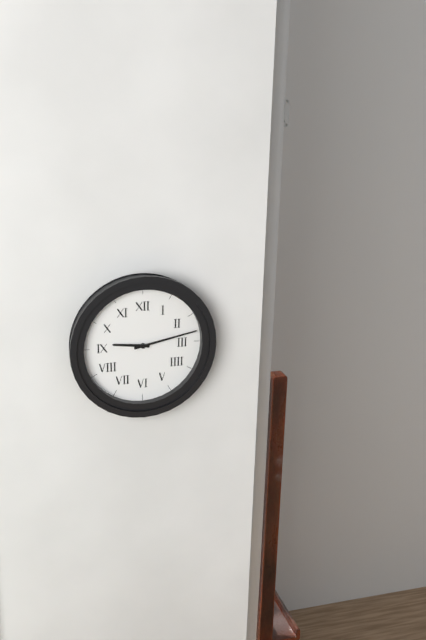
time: 9:13
